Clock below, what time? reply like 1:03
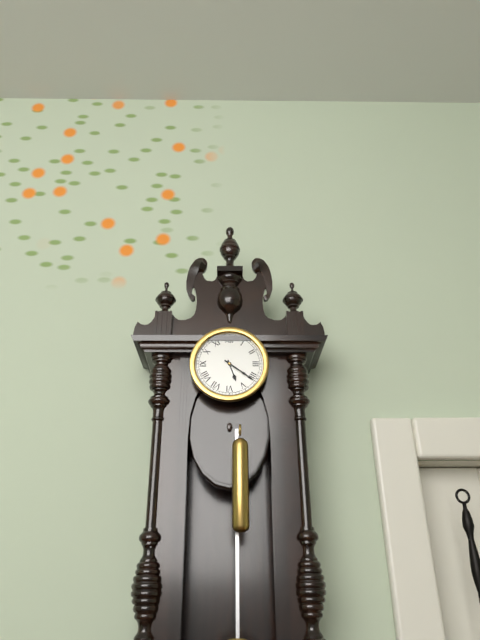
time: 5:21
